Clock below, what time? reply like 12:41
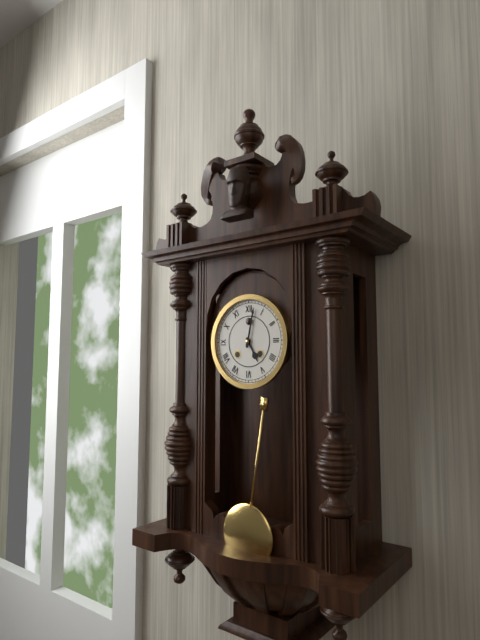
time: 5:02
